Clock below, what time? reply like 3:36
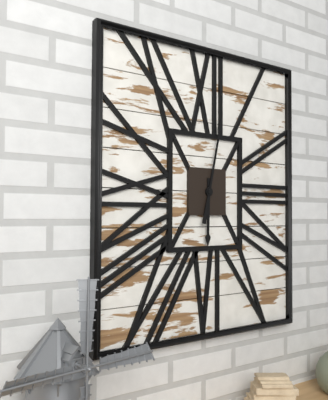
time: 6:02
